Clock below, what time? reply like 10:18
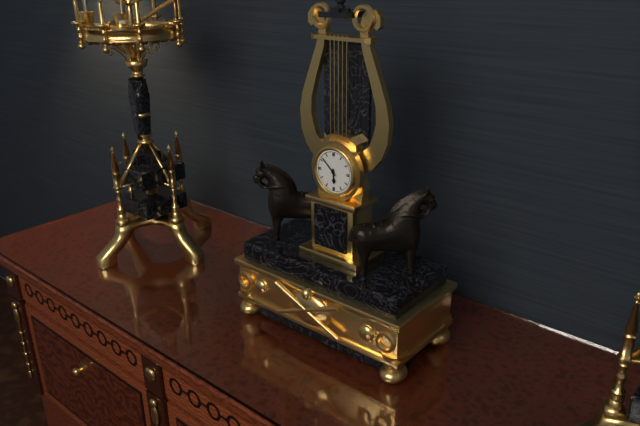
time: 5:52
